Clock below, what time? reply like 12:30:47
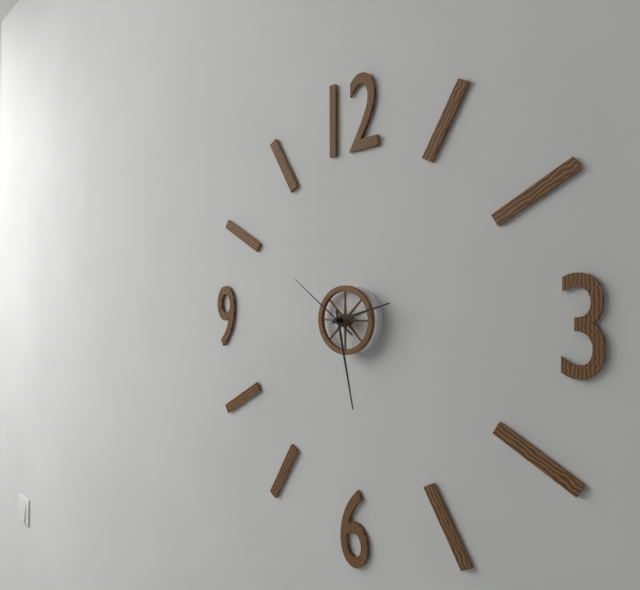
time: 2:28:51
